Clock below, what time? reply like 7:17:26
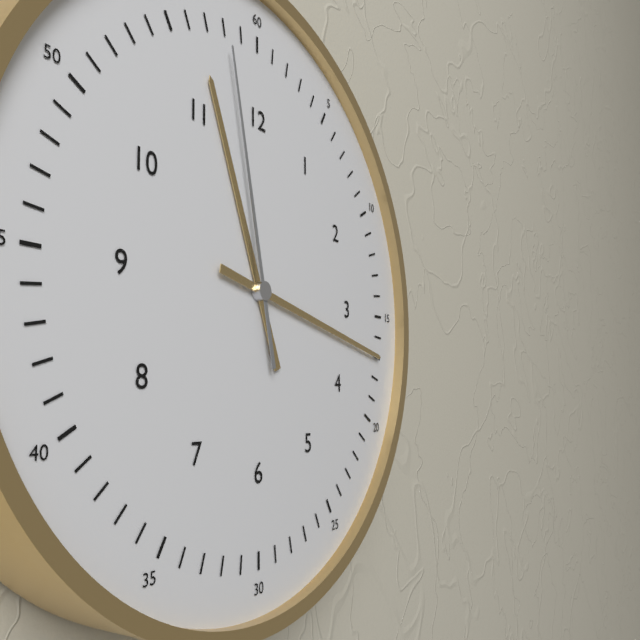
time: 11:17:58
